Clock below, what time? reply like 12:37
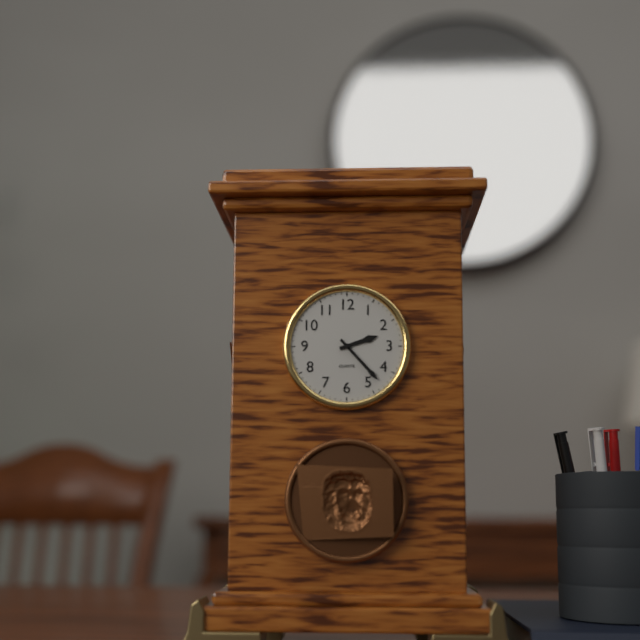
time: 2:23
